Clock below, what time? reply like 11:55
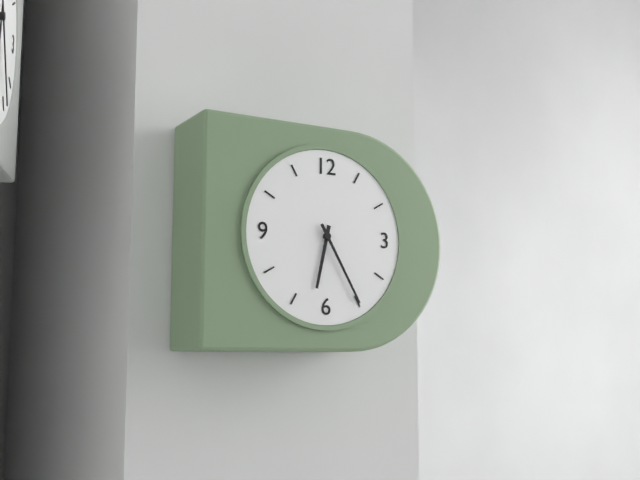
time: 6:25
